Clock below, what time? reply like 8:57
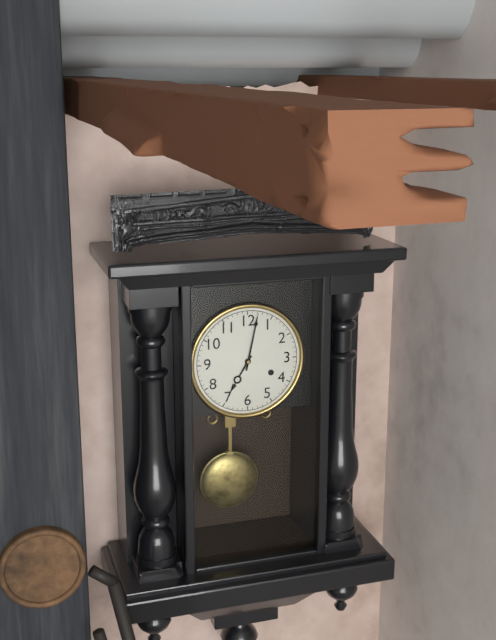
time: 7:02
